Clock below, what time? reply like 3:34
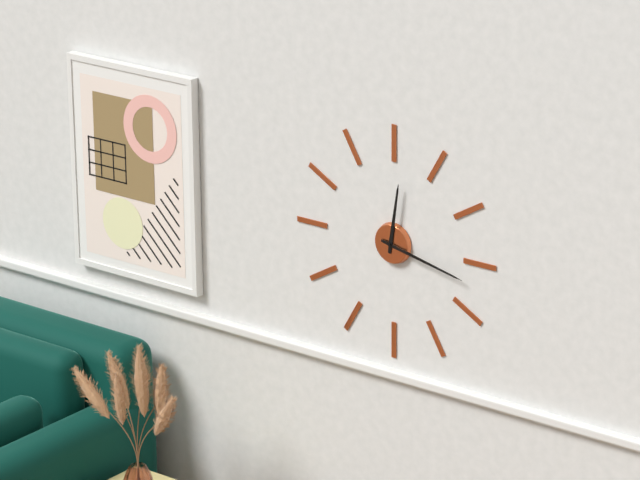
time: 12:17
